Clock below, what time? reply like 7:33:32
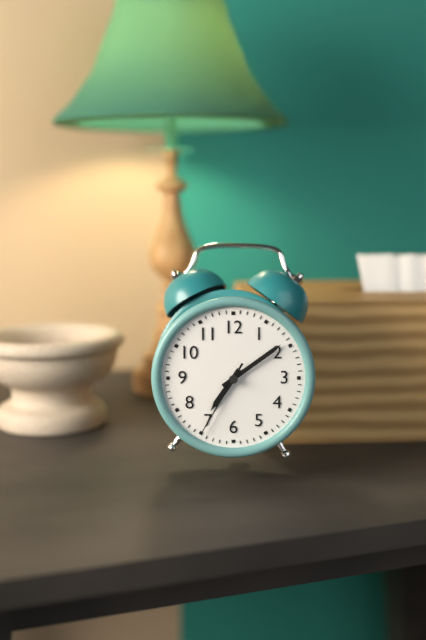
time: 7:09:35
